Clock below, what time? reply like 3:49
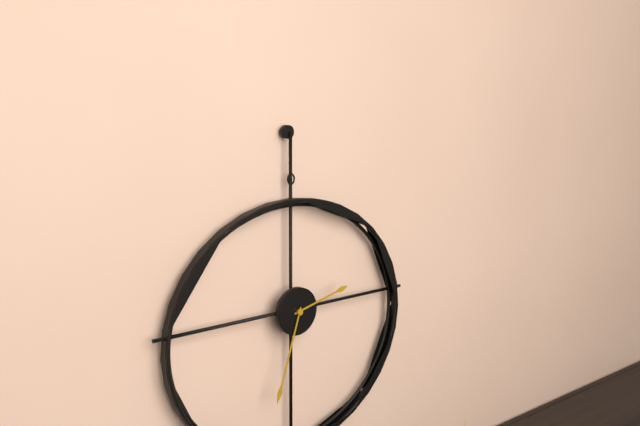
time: 2:33
